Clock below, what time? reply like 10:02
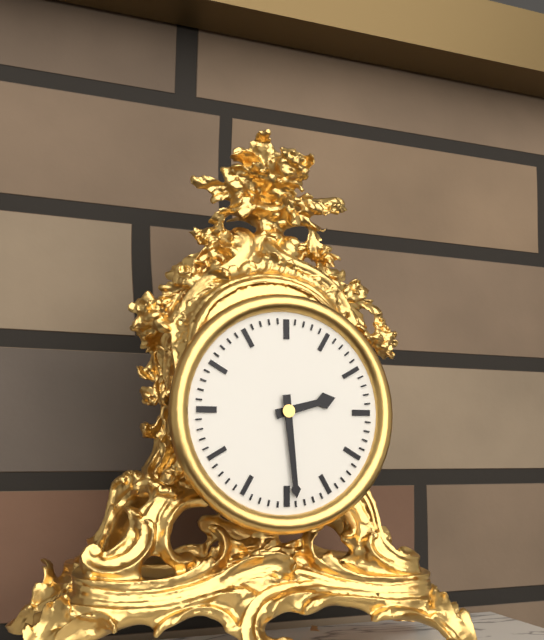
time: 2:29
